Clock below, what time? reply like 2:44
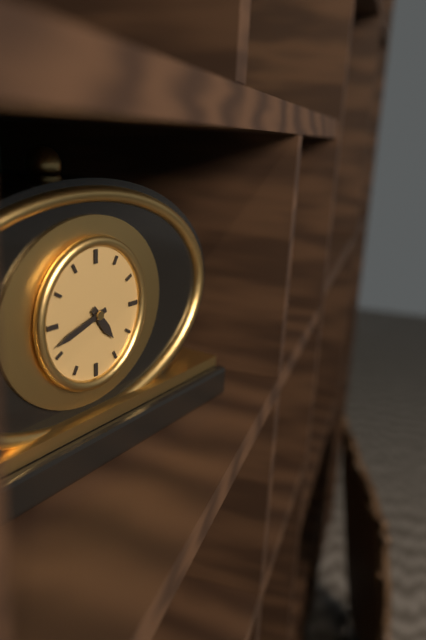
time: 4:42
